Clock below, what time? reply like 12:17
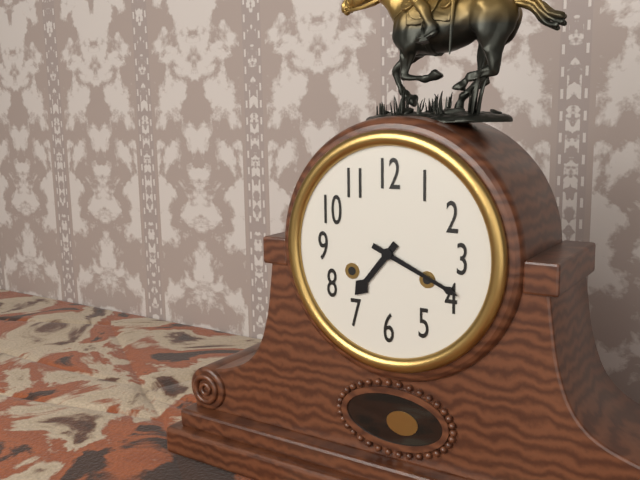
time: 7:19
